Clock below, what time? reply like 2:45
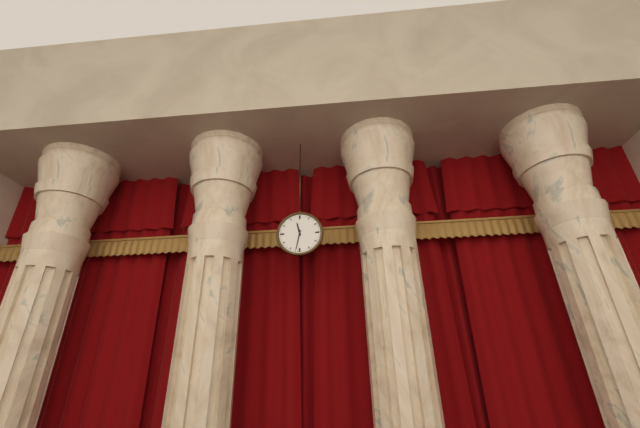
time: 11:32
